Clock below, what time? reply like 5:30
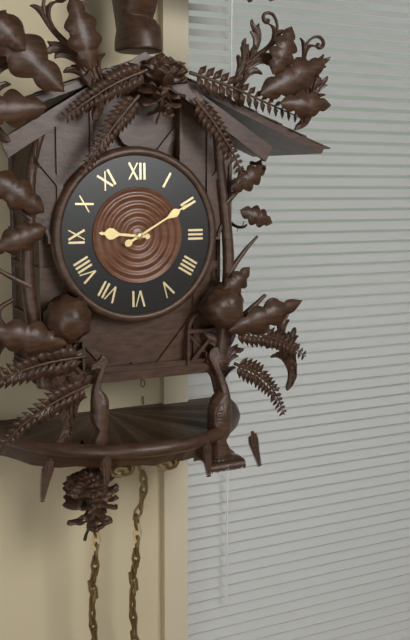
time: 9:10
